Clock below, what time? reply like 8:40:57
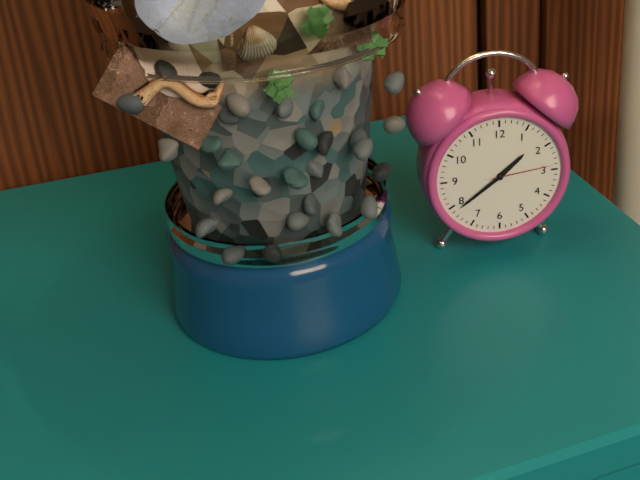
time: 1:39:14
